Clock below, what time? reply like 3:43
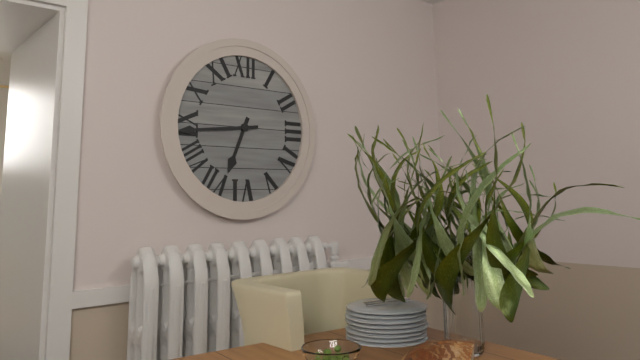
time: 6:44
